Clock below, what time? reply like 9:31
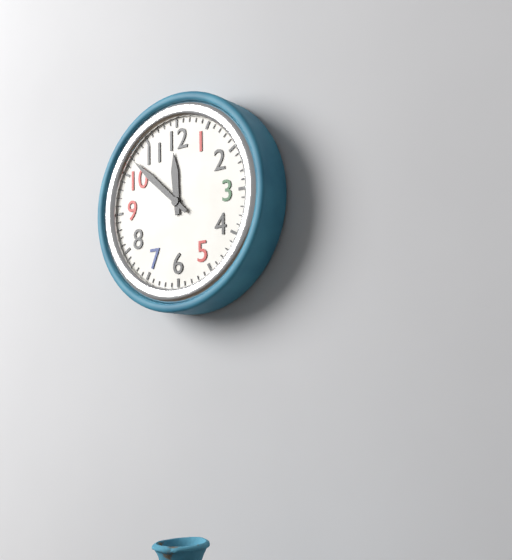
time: 11:52
